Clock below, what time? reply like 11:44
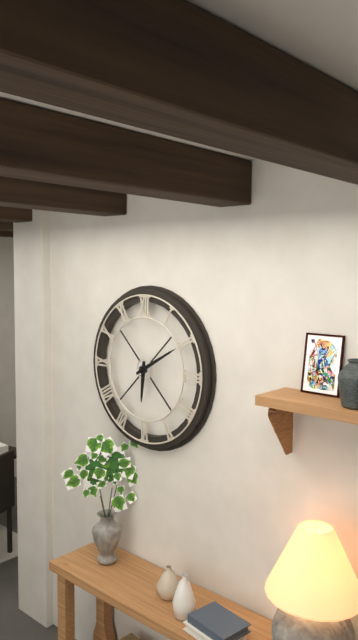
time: 6:10
